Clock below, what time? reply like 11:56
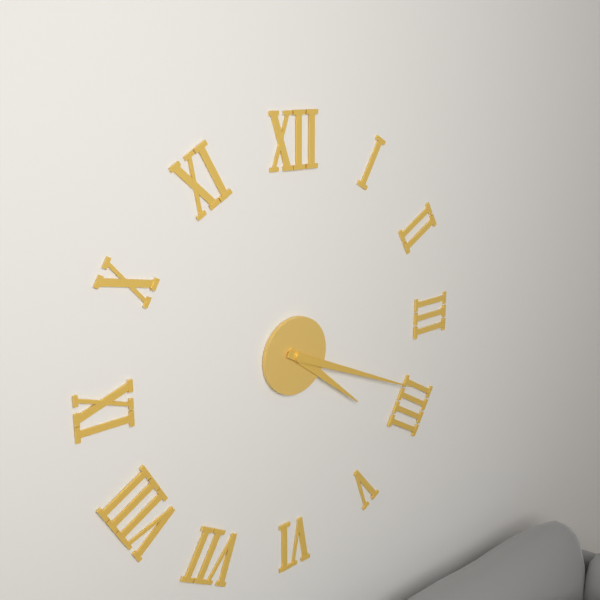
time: 4:19
